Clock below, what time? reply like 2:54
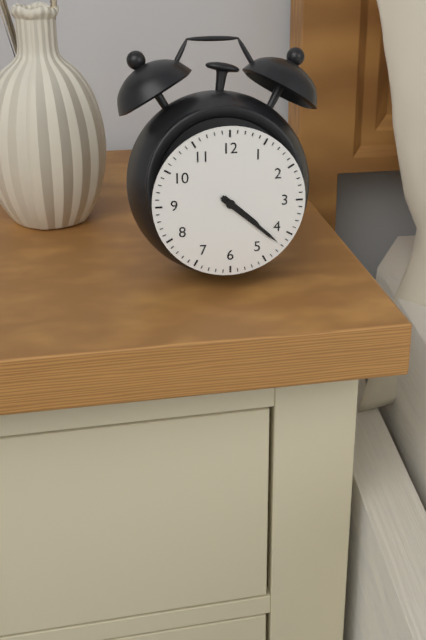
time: 4:22
